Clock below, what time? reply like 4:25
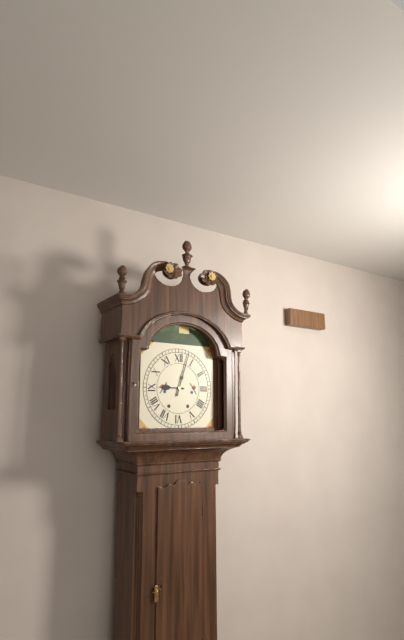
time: 9:03
